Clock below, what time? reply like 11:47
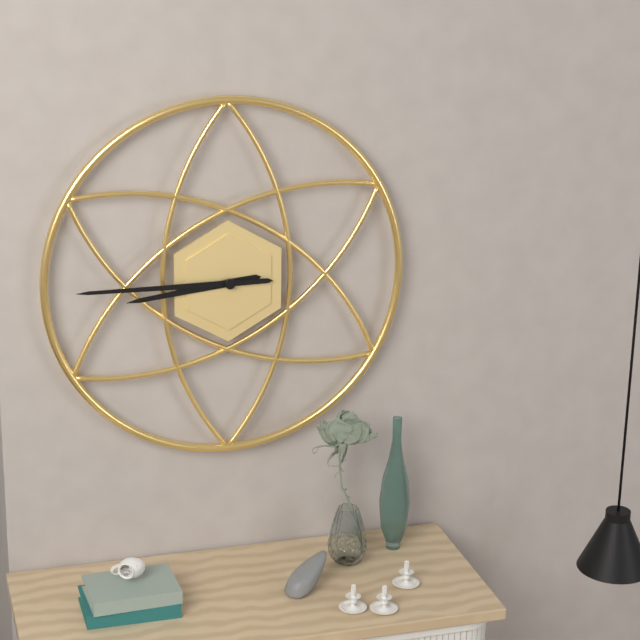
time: 8:45
